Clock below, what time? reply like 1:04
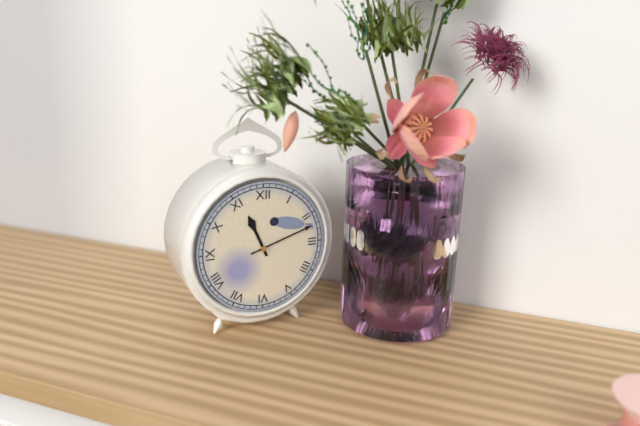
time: 11:12
